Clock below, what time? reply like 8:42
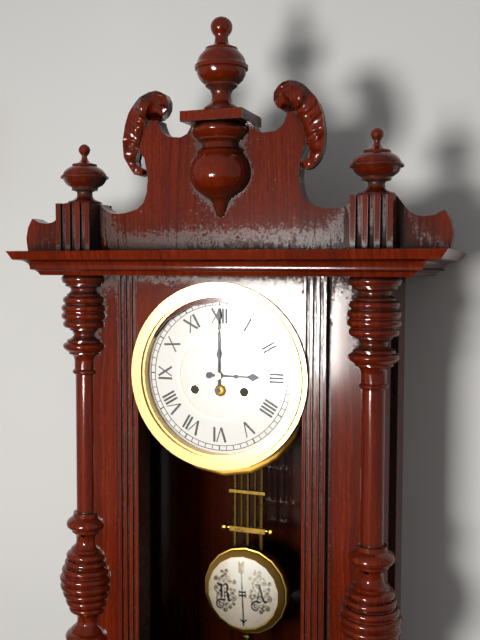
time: 3:00
